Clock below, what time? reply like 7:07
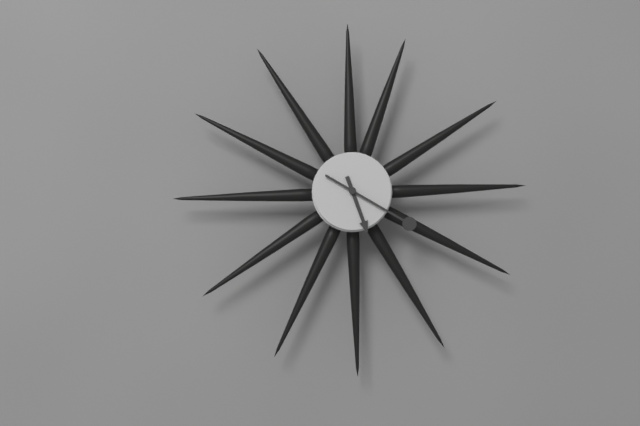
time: 5:20
